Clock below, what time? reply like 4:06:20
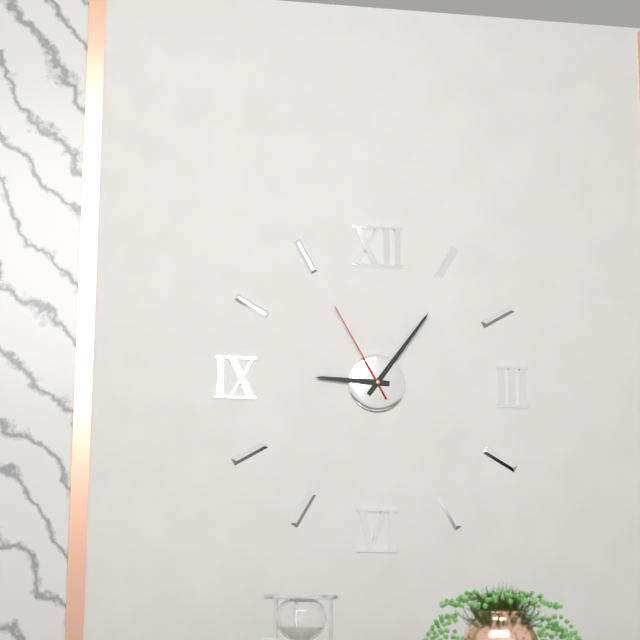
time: 9:06:55
